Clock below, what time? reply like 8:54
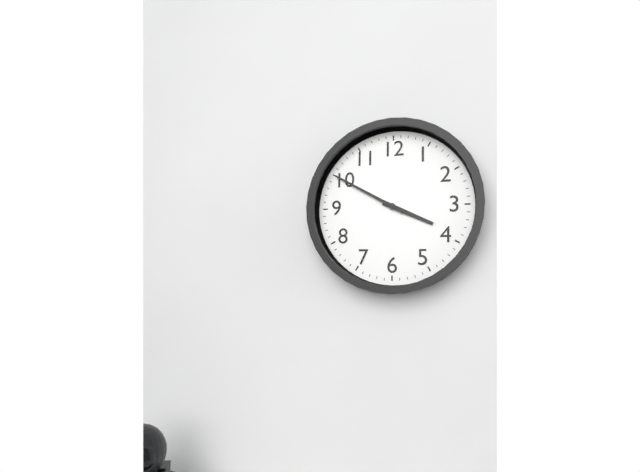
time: 3:50
